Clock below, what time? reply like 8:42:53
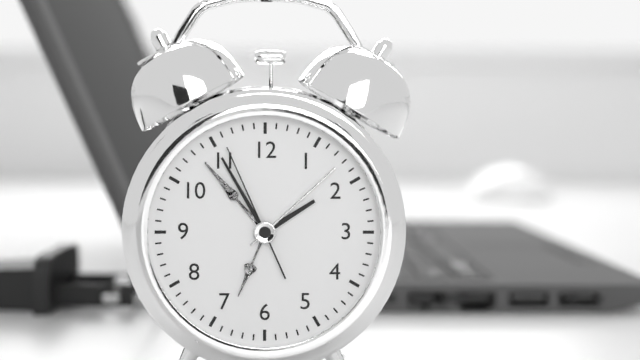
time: 1:55:56
